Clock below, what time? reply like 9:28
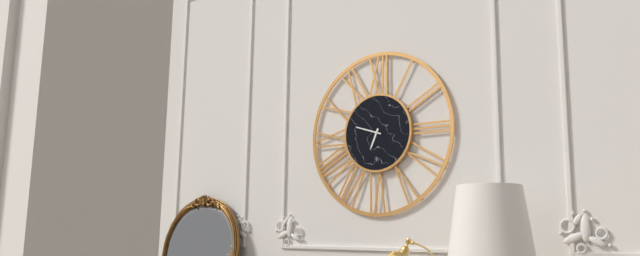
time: 6:48
